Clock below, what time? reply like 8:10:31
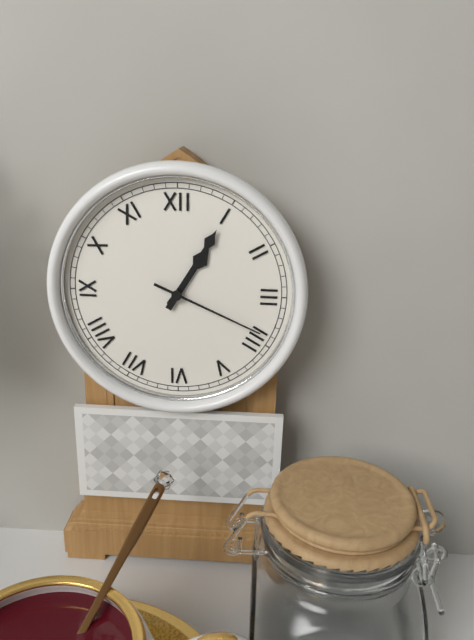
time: 1:05:19
